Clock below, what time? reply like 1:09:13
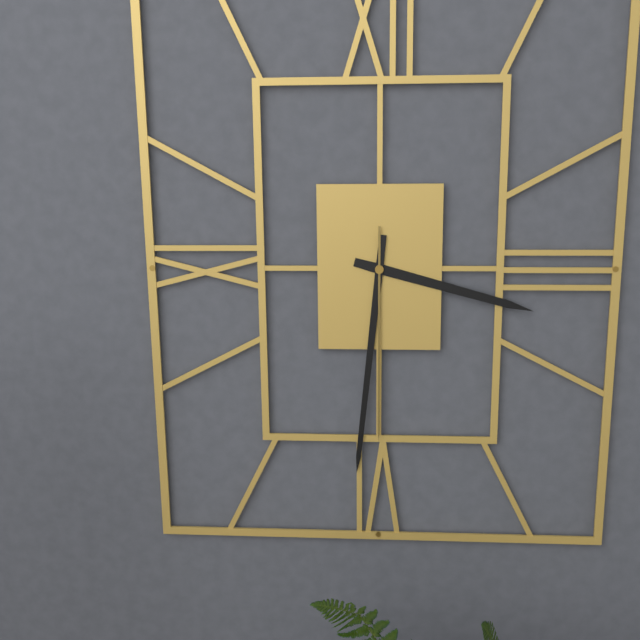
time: 3:31:30
